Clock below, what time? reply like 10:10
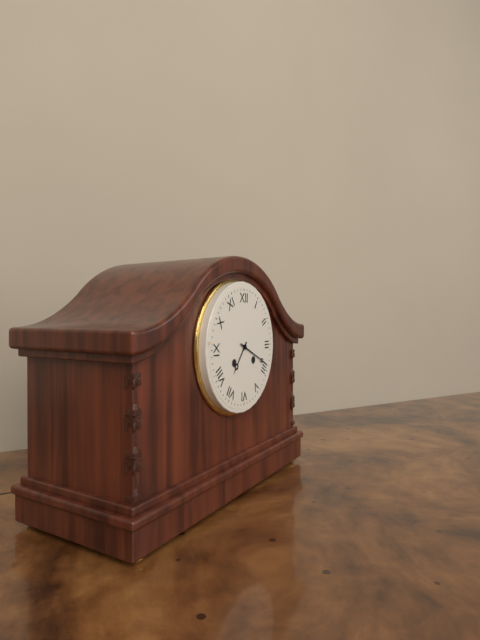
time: 7:19
